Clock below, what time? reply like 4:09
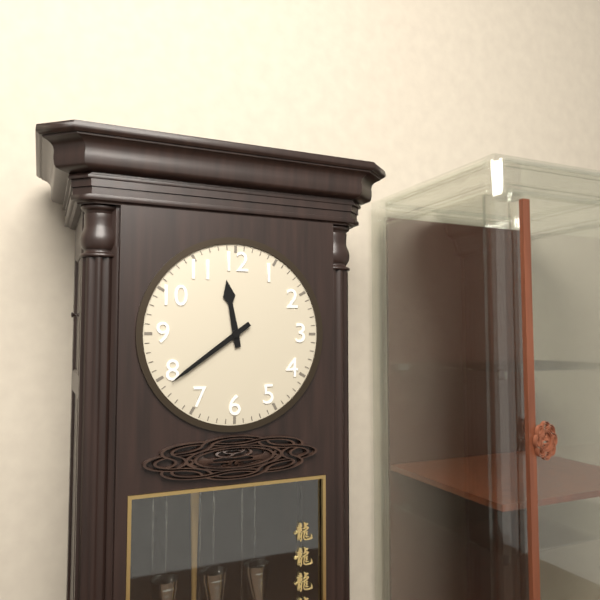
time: 11:39
